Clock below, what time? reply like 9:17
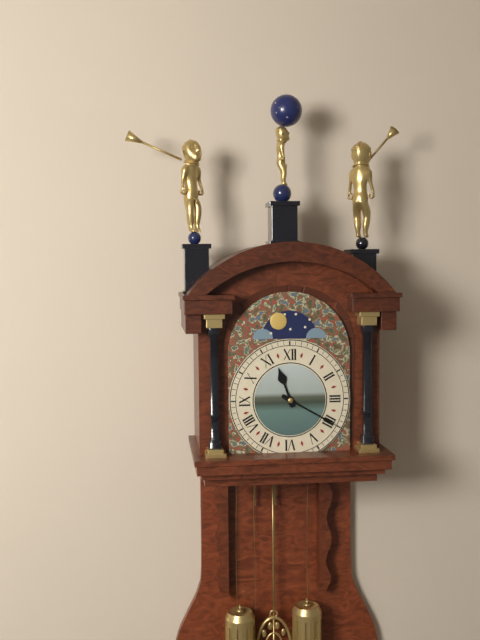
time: 11:20
